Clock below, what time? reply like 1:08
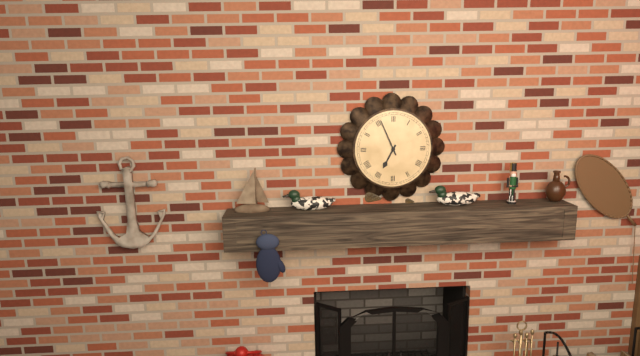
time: 6:56
